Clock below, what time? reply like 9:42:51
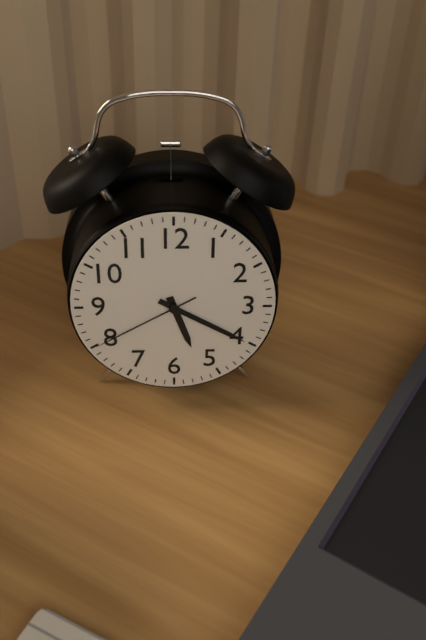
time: 5:20:40
